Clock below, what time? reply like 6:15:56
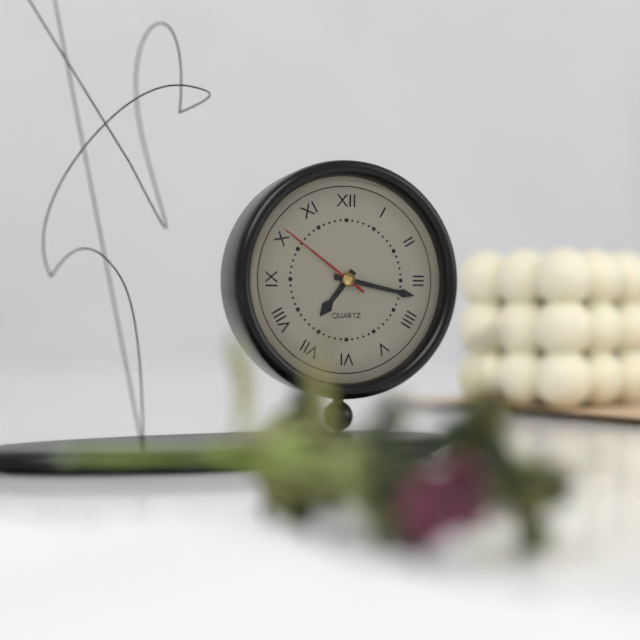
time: 7:17:51
